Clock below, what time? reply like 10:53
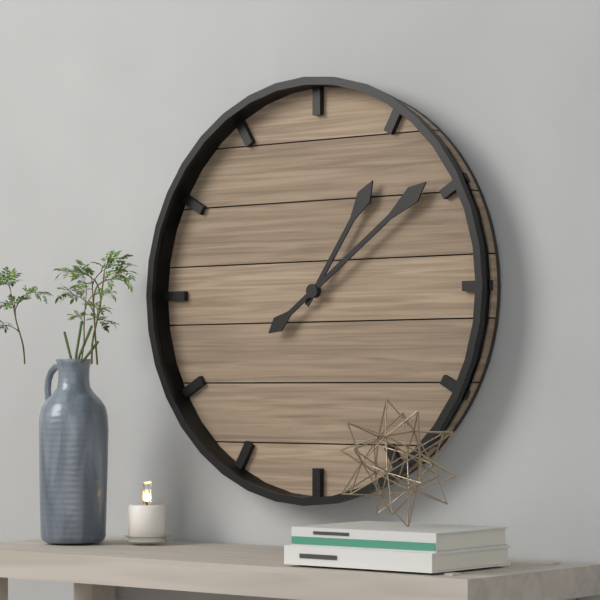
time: 1:09
